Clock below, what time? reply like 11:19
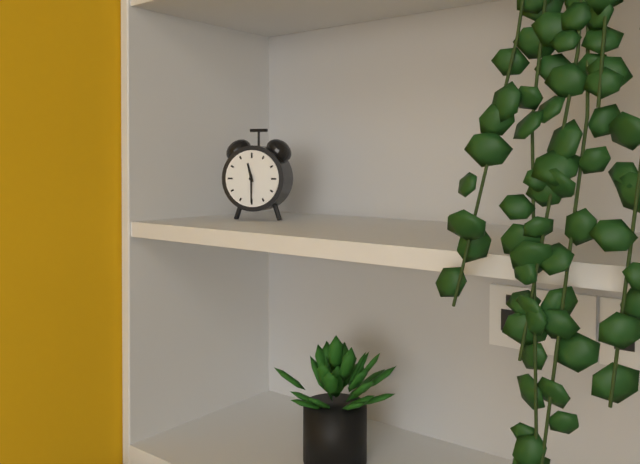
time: 11:30
